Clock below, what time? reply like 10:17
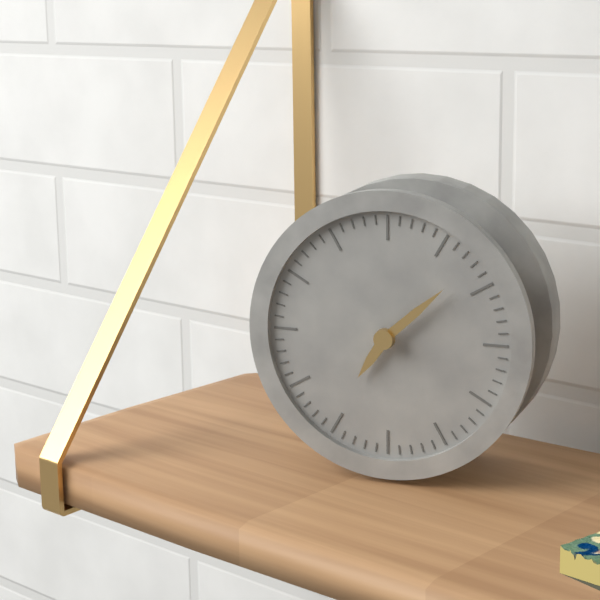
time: 7:08
